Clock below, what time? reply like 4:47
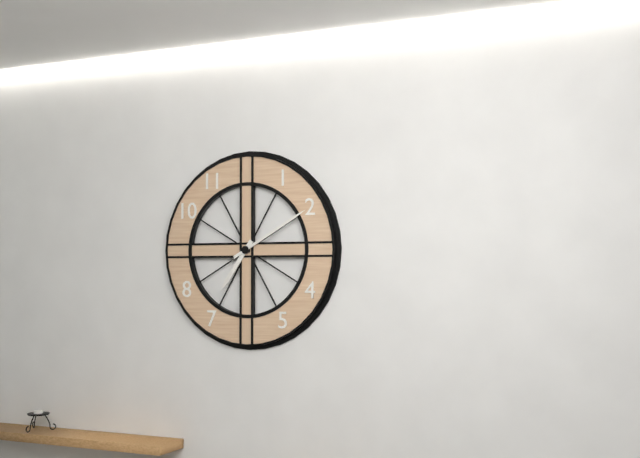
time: 7:10
